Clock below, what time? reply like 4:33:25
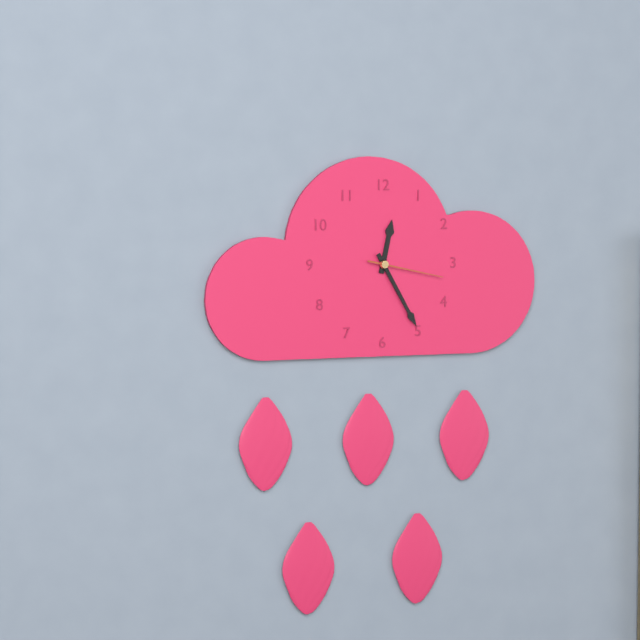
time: 12:25:17
